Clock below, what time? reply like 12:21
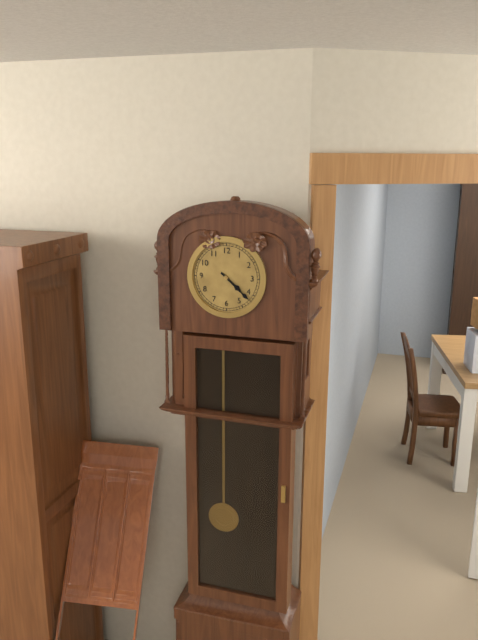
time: 4:22
